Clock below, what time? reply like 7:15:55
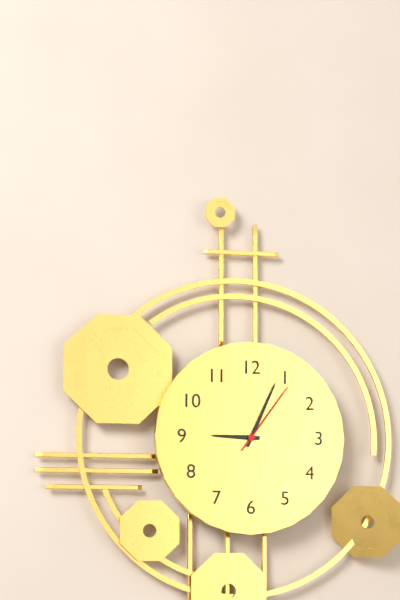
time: 9:04:06
